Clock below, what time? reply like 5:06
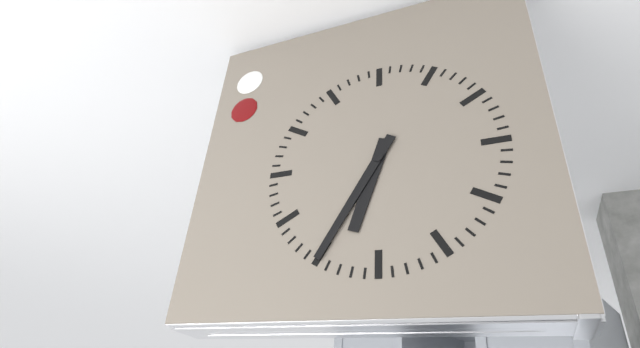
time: 6:35
